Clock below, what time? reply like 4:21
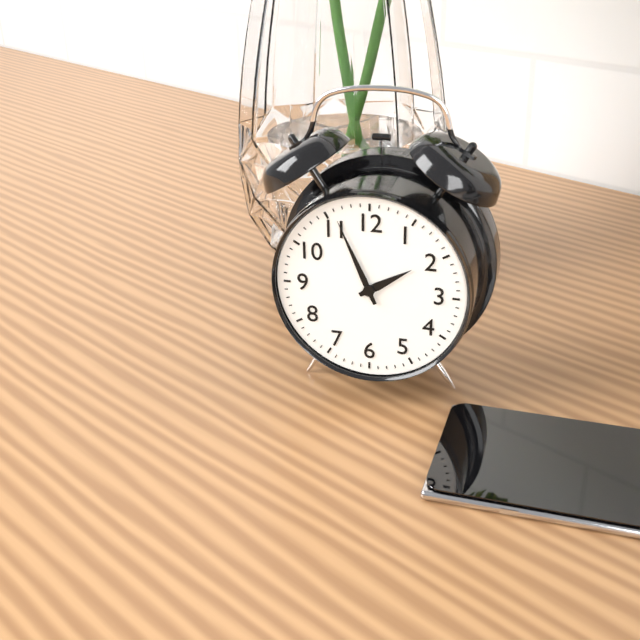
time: 1:56
